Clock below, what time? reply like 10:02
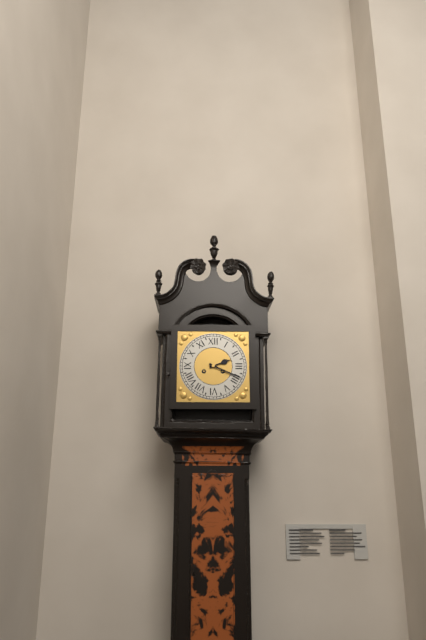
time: 2:19
